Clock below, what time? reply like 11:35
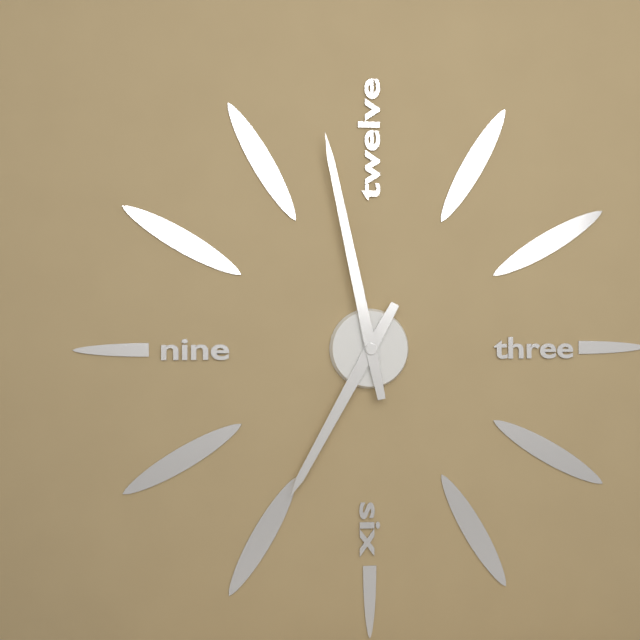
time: 6:58
